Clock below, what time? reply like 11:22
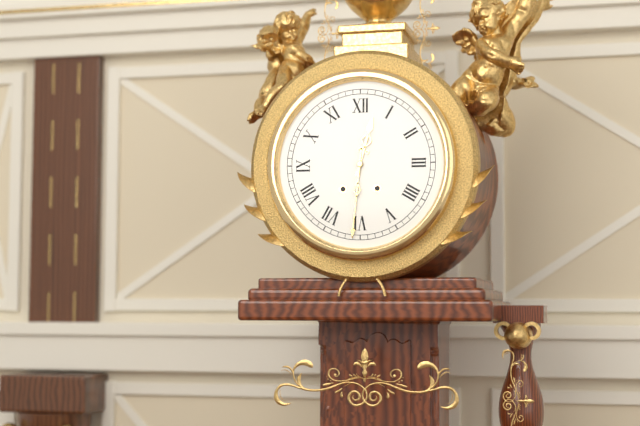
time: 12:31
